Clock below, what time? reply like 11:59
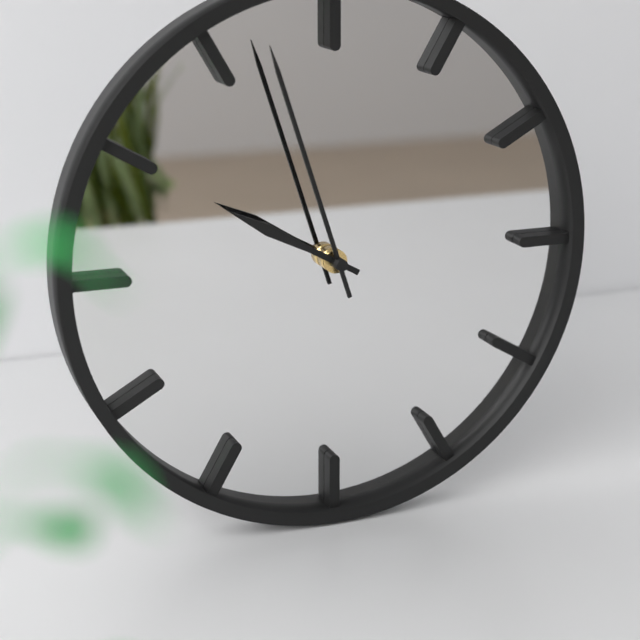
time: 9:57
